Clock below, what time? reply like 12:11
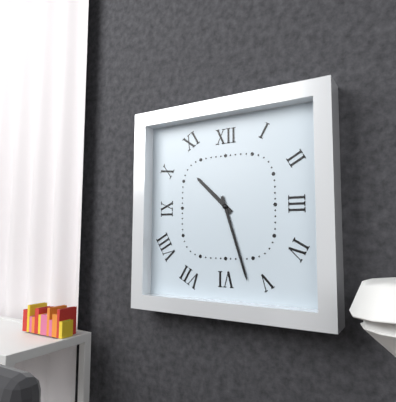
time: 10:27
